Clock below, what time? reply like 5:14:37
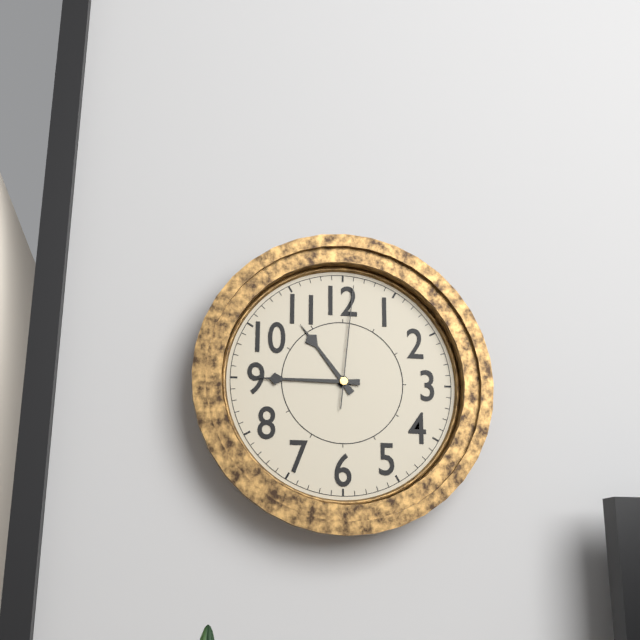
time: 10:45:01
